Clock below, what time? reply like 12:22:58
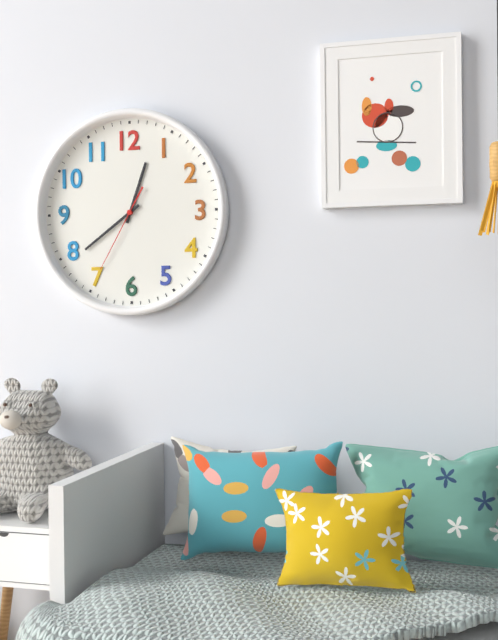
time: 12:39:35
